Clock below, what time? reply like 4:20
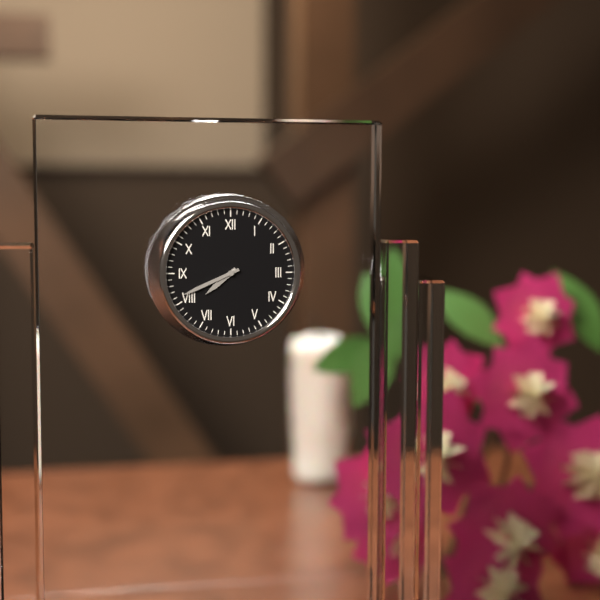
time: 7:41
